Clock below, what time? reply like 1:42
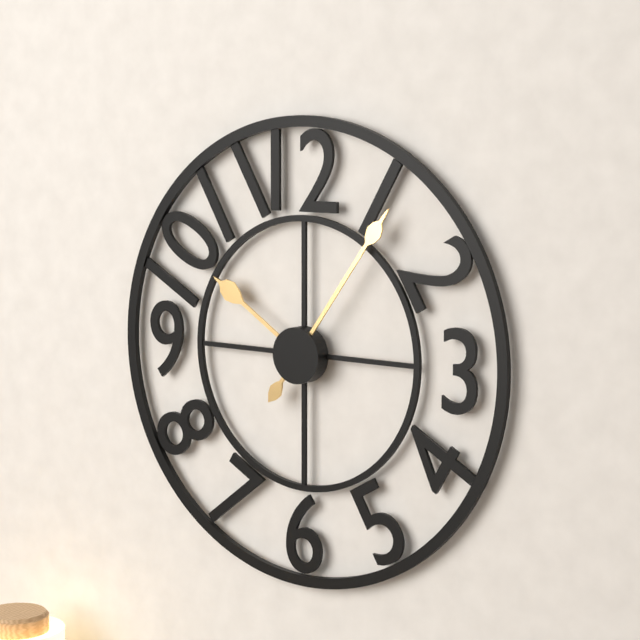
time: 10:06
